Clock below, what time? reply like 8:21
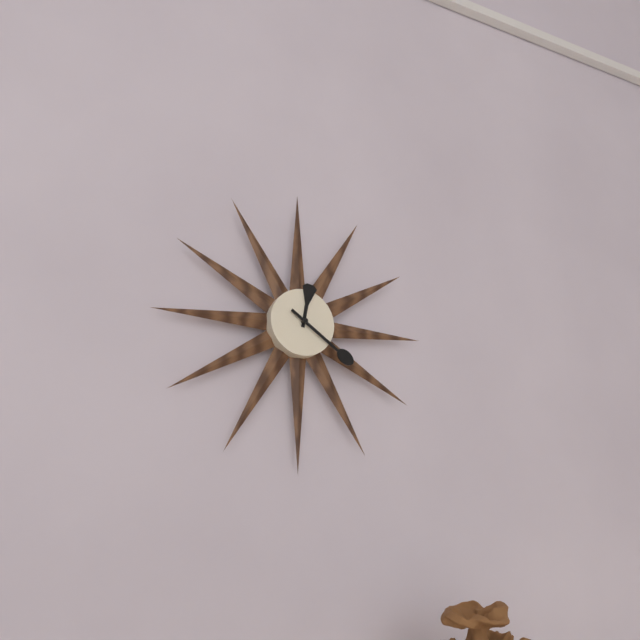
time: 12:21
